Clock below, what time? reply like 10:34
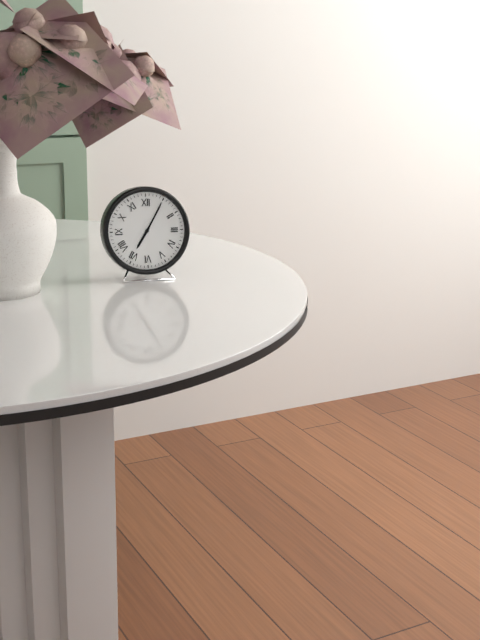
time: 7:05
